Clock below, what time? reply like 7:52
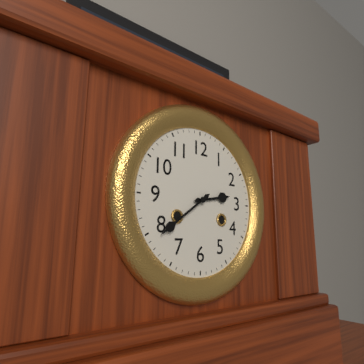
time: 2:39
